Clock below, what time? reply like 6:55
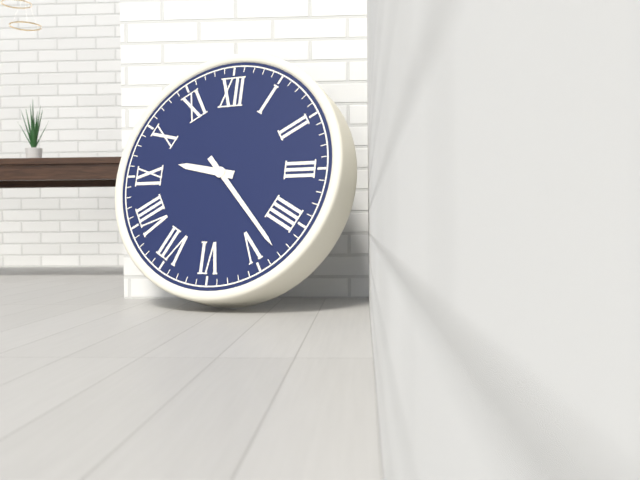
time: 9:23
